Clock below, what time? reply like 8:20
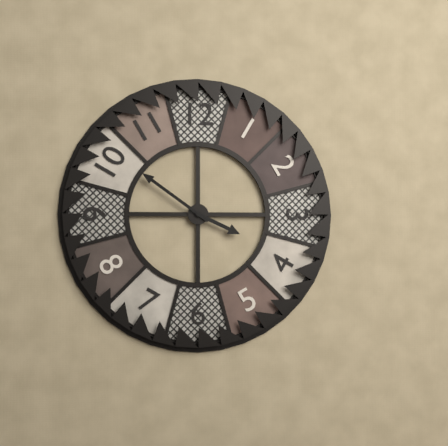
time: 3:51
